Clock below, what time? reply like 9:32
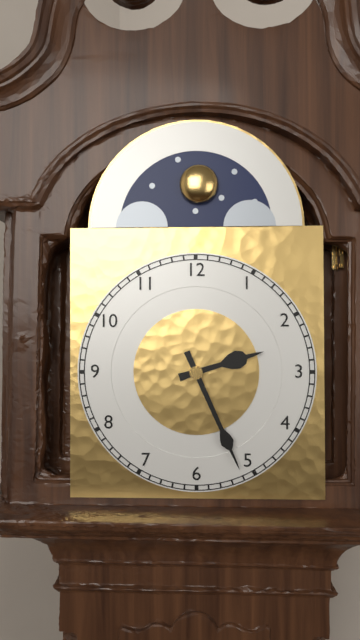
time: 2:26
